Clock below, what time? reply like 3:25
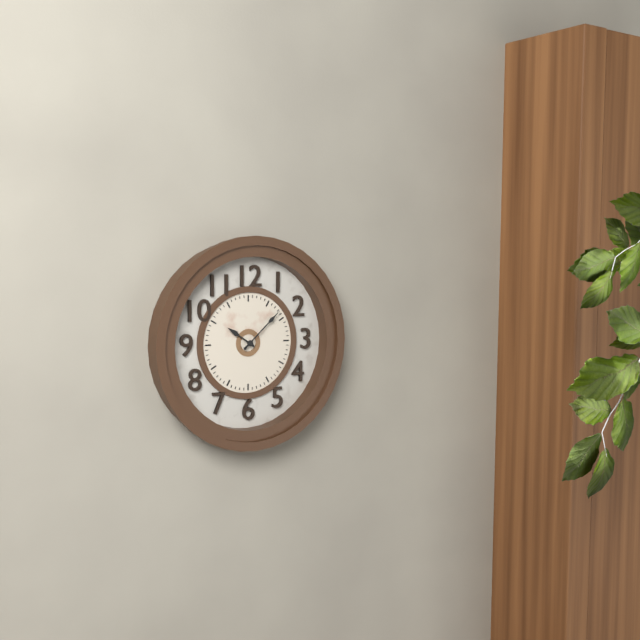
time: 10:08
